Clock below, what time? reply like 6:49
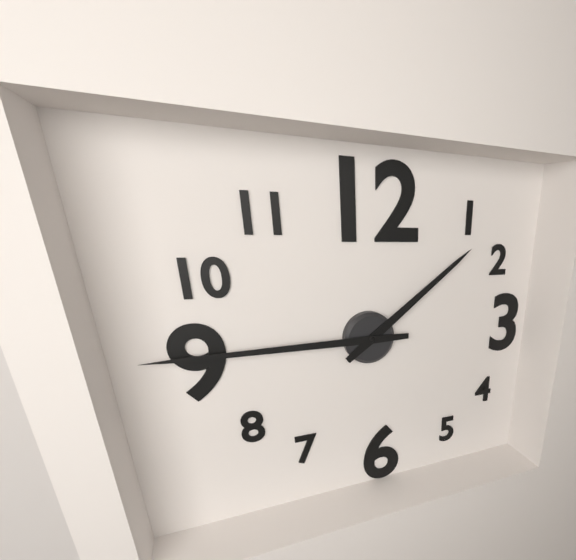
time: 1:45
